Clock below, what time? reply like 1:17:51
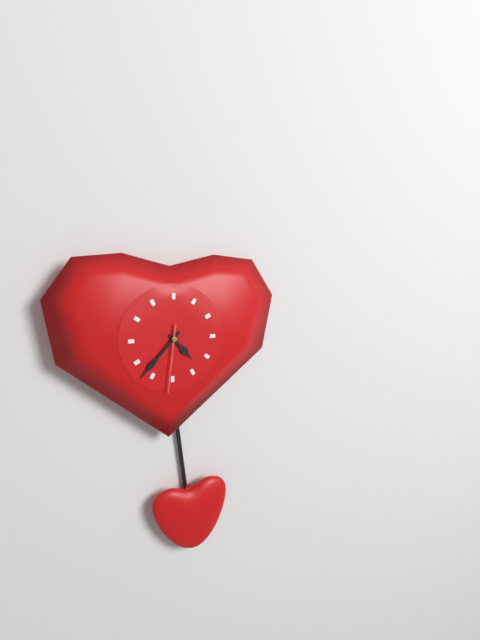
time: 4:37:31
